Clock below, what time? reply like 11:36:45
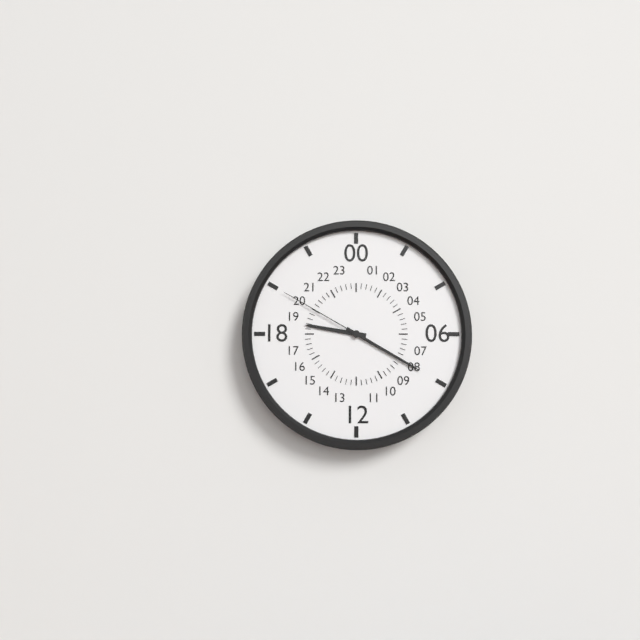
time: 9:20:50
